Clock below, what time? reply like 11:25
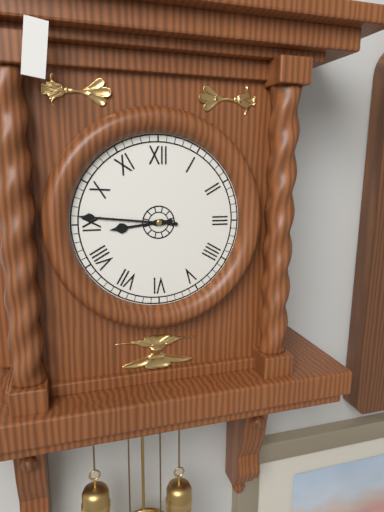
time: 8:46
